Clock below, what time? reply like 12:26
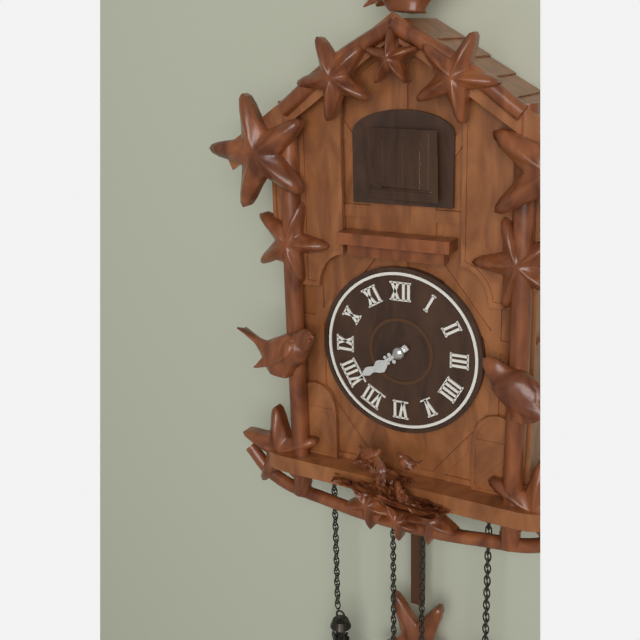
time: 7:39
